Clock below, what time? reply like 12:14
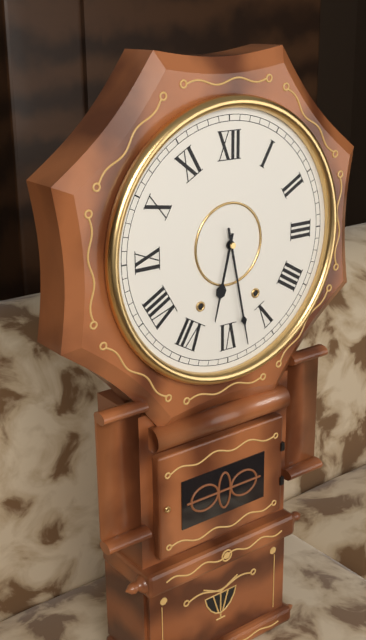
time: 6:28
